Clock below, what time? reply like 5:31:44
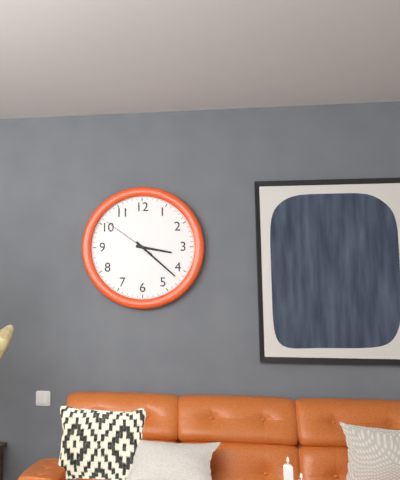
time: 3:22:51
